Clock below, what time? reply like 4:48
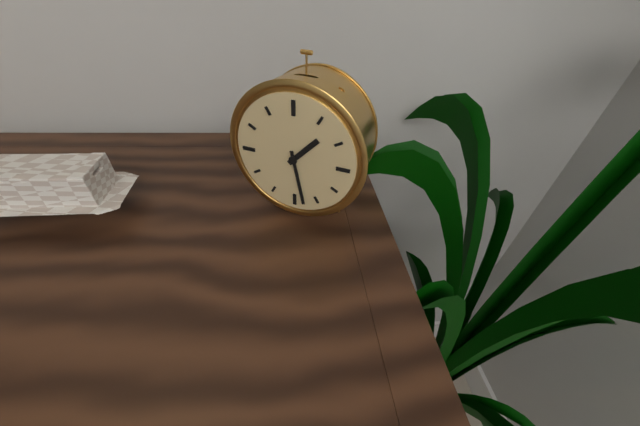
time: 1:28
